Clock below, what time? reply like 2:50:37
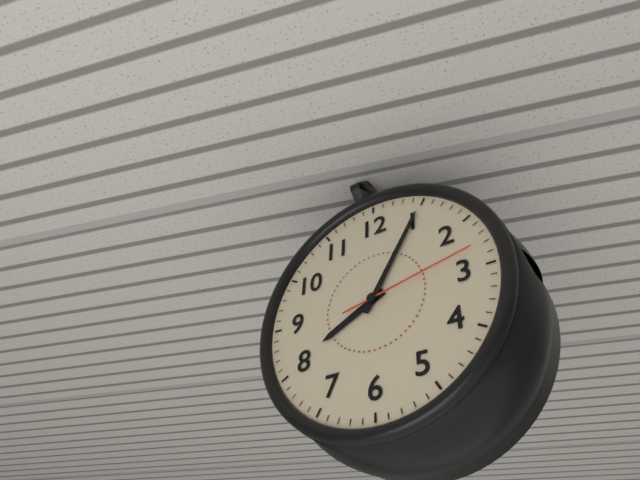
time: 8:05:13
